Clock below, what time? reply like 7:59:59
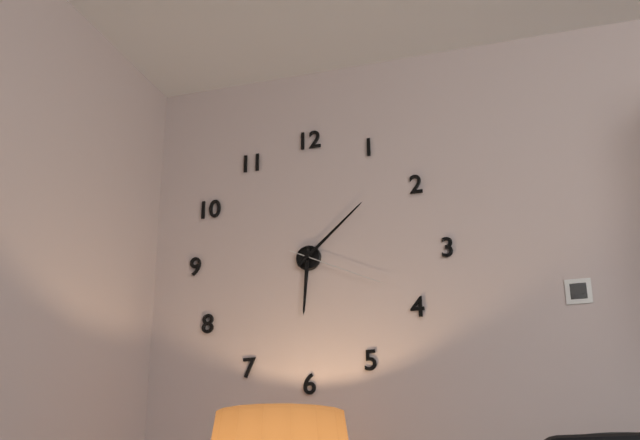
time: 6:08:19
